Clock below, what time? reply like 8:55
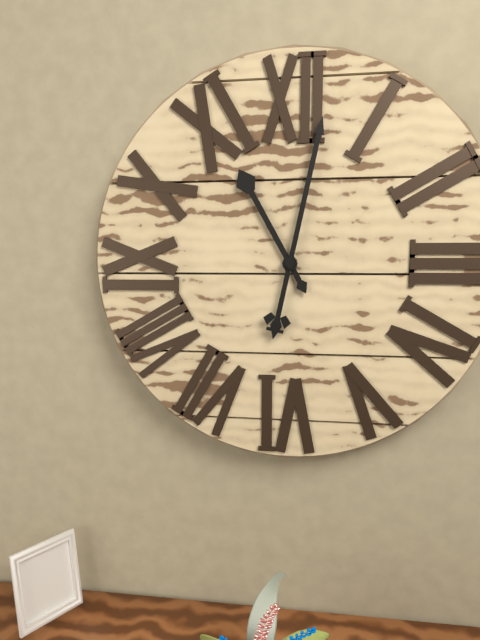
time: 11:02
